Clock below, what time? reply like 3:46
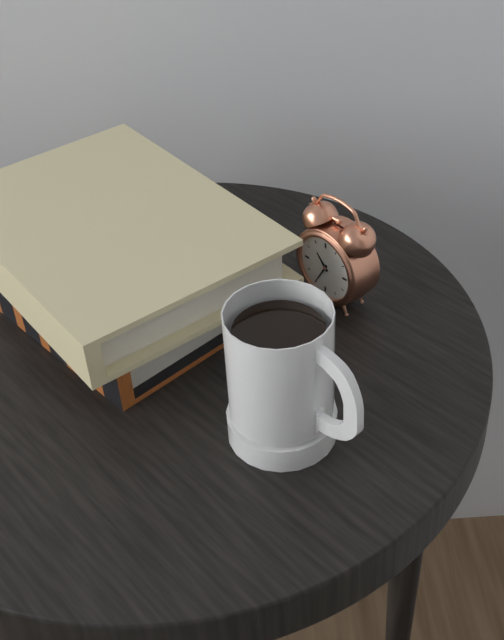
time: 10:35
